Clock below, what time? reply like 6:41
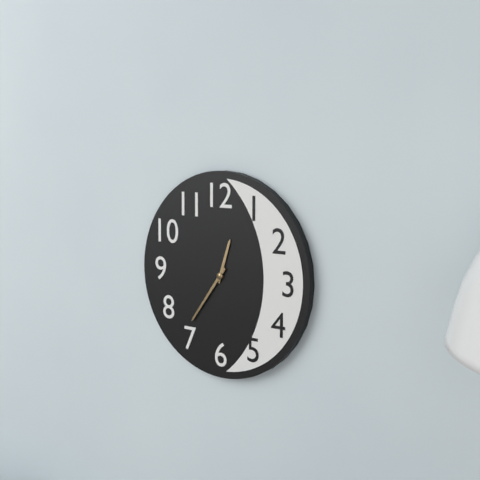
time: 12:36
